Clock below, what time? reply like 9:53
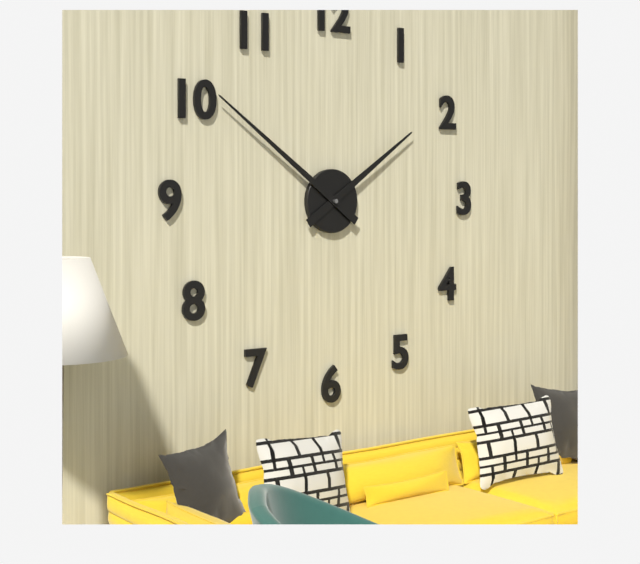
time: 1:51
